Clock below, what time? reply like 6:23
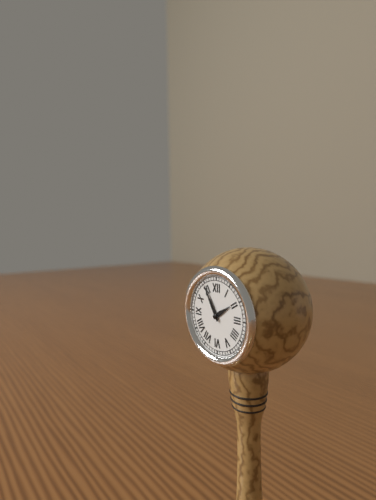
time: 1:55
